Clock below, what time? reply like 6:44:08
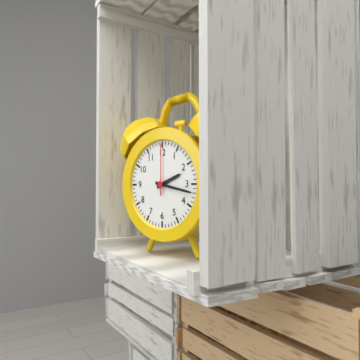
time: 2:17:00
